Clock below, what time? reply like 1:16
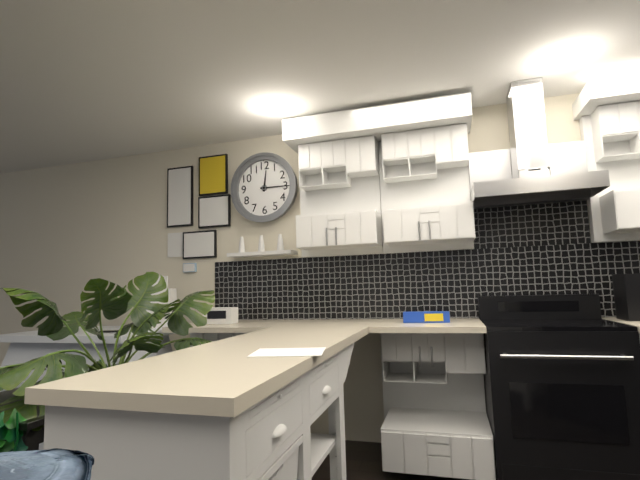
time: 12:15
